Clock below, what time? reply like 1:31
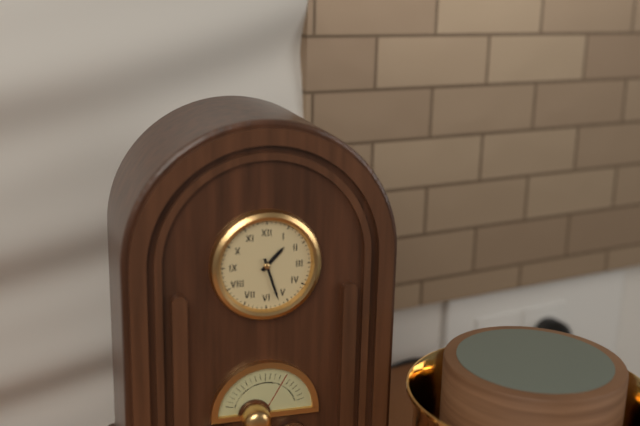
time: 1:27
